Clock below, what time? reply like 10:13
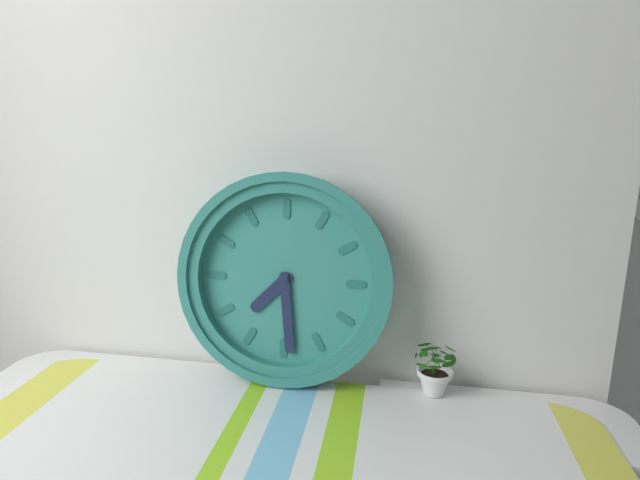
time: 7:29
